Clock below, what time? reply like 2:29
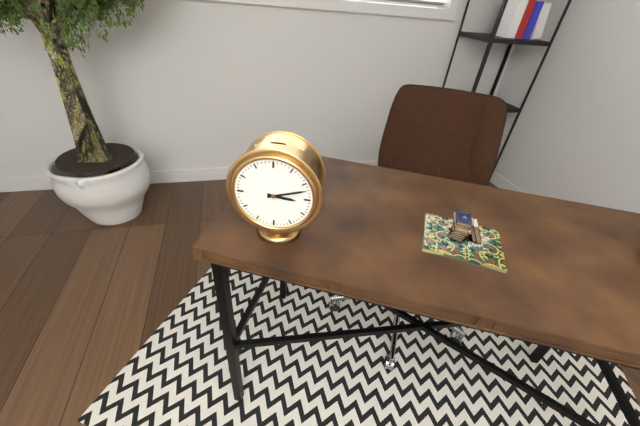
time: 3:12
